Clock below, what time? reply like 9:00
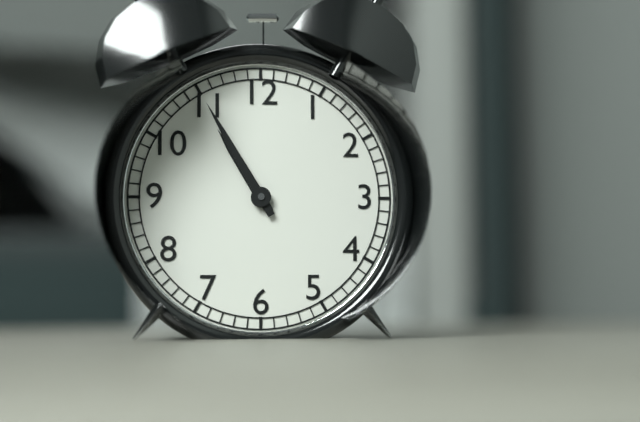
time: 10:55
